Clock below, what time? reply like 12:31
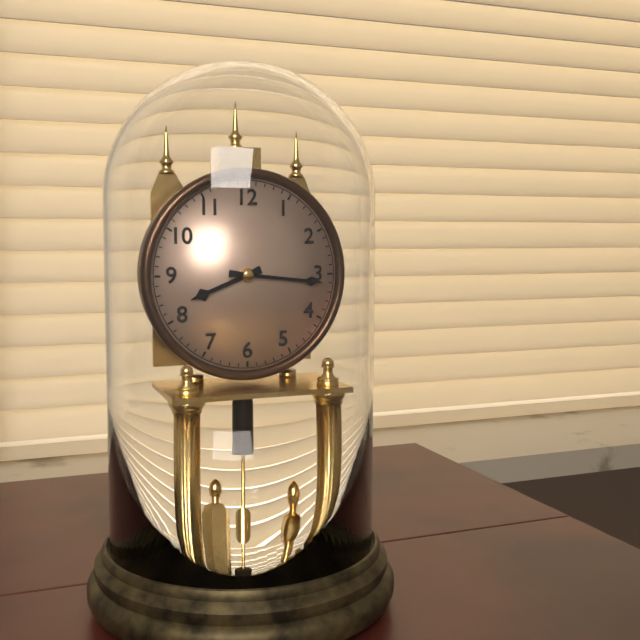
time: 8:16
